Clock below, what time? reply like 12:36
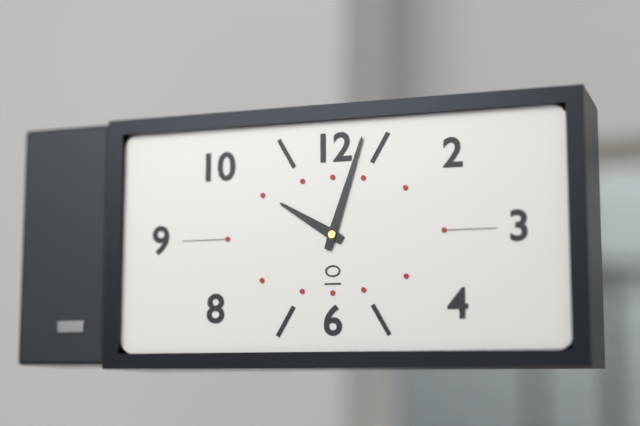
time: 10:03
